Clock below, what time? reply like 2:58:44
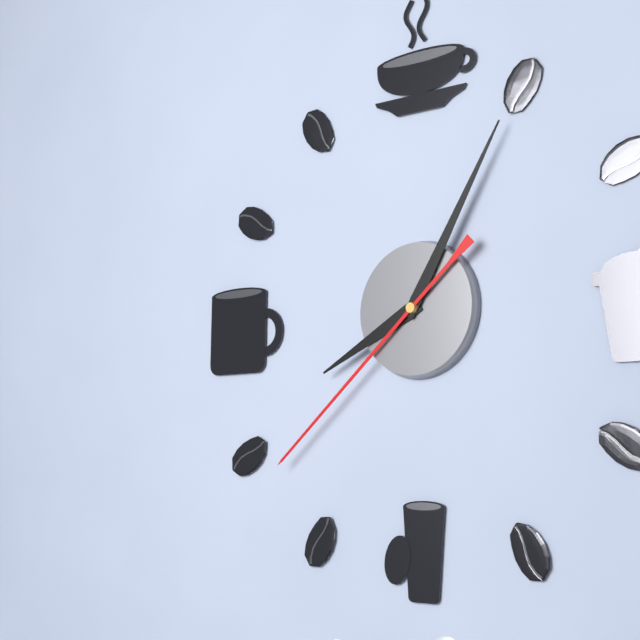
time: 8:05:38
